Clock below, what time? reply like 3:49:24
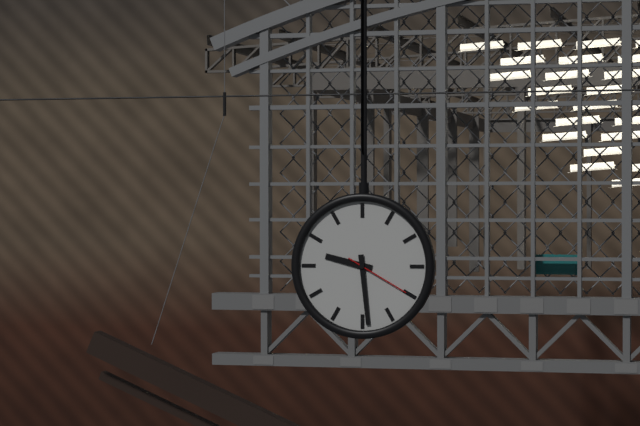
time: 9:29:20
